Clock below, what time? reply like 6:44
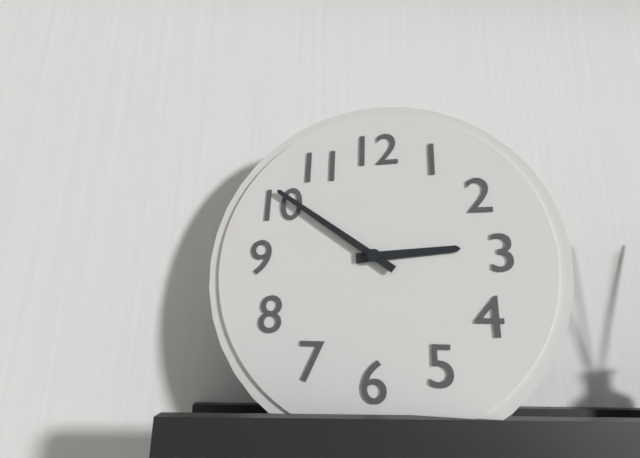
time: 2:51
